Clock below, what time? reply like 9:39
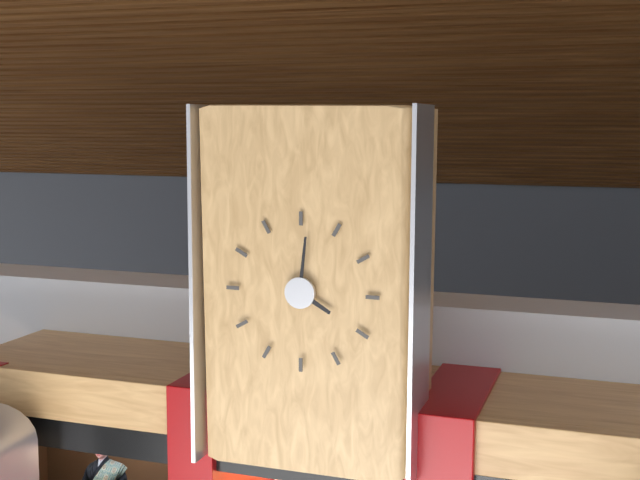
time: 4:01
